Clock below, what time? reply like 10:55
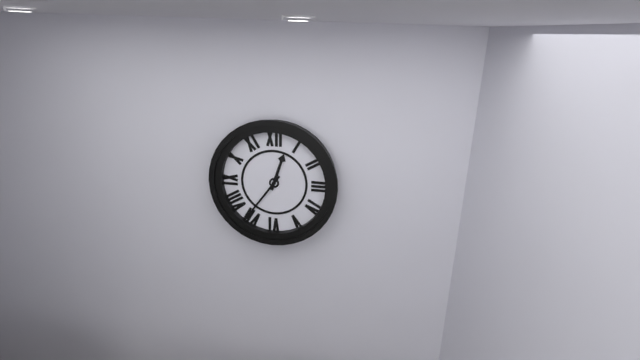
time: 12:36
